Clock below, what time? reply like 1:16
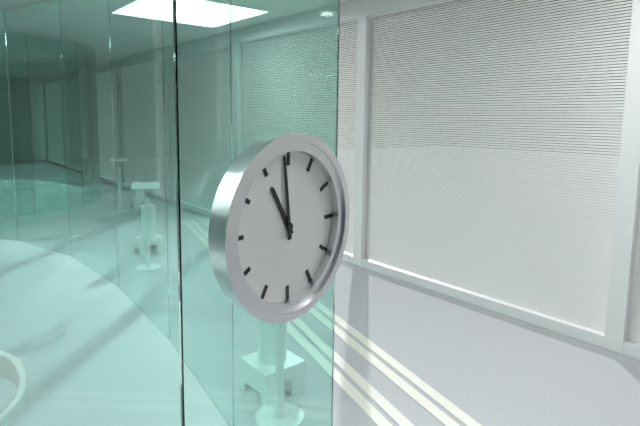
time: 10:59
